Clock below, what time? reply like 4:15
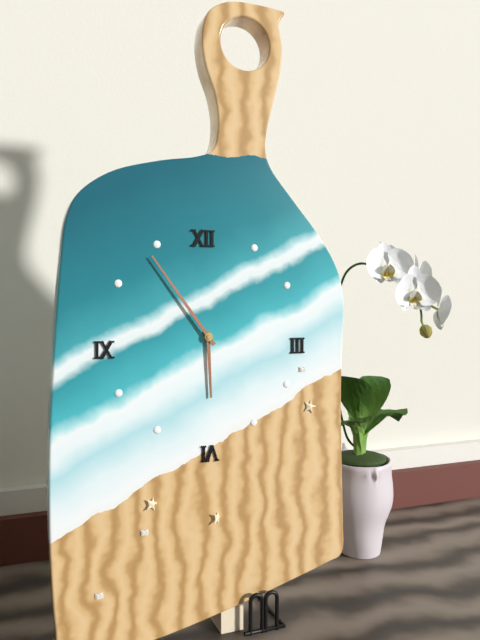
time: 5:54
